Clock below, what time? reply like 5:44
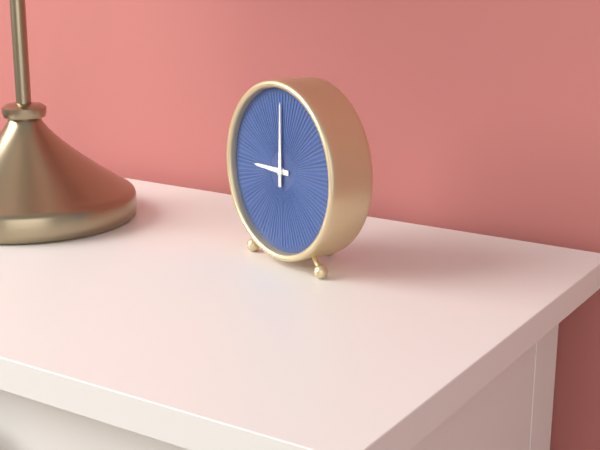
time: 9:00
